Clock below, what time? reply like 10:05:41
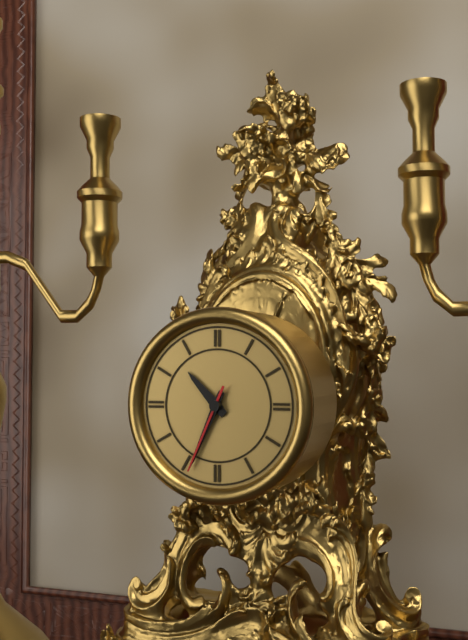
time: 10:34:34
